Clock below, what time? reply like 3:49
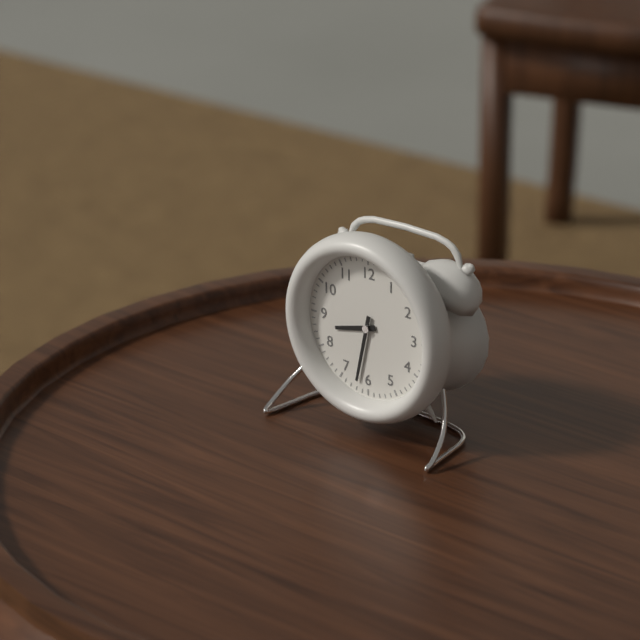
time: 8:32
